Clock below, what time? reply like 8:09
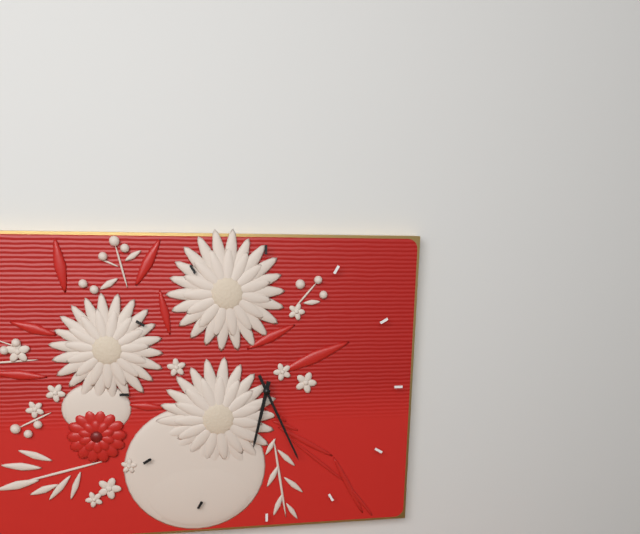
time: 6:26
